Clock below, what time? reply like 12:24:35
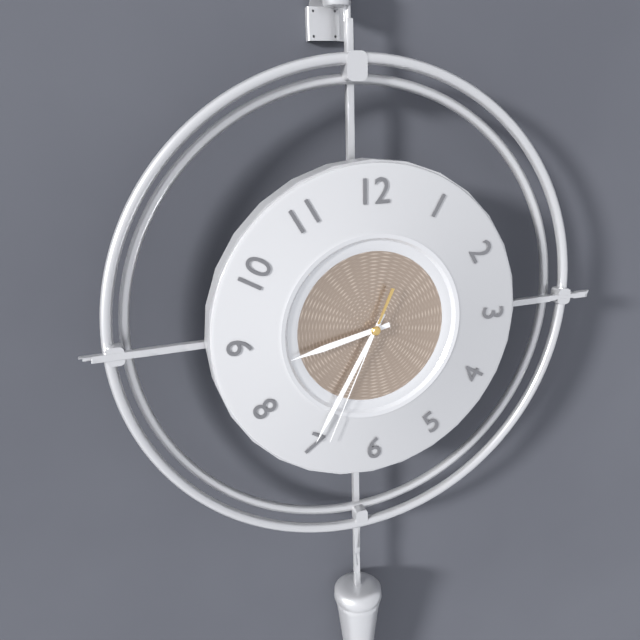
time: 8:35:34
